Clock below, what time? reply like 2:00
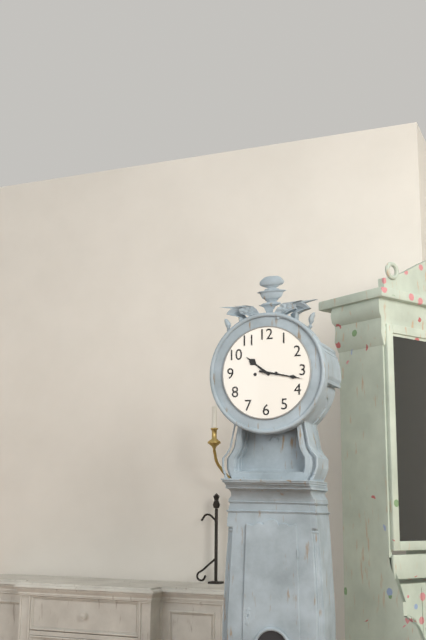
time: 10:17
